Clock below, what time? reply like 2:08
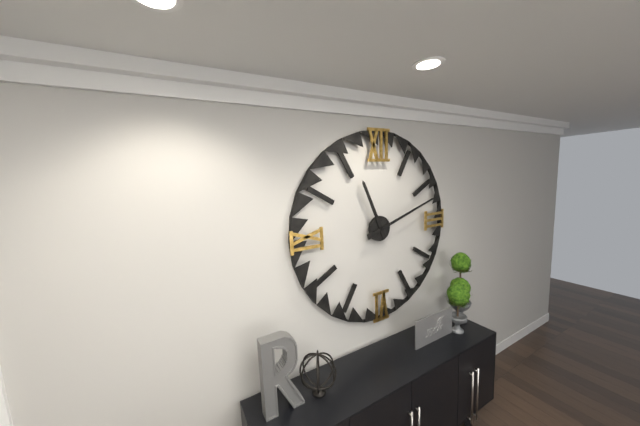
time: 11:12
